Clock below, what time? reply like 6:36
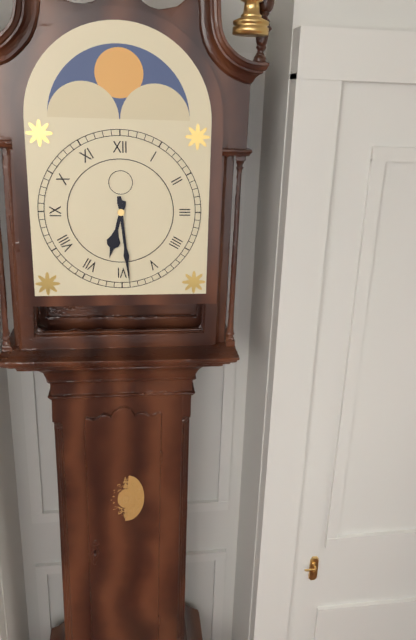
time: 6:29
